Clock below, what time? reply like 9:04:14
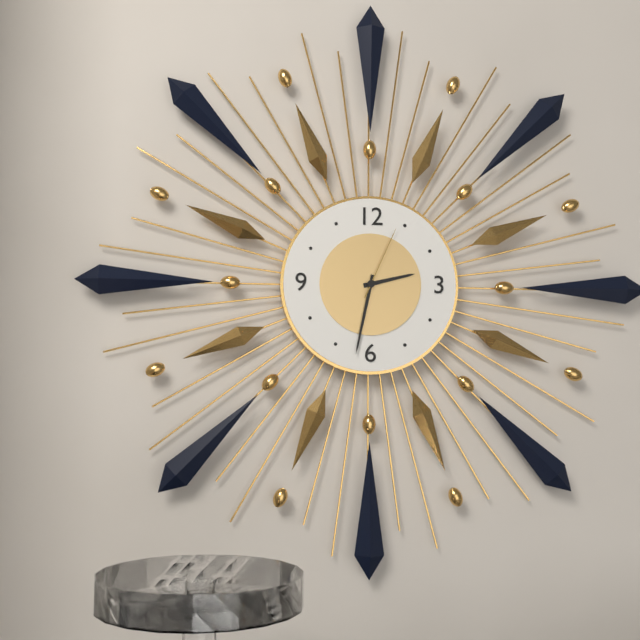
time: 2:32:04
